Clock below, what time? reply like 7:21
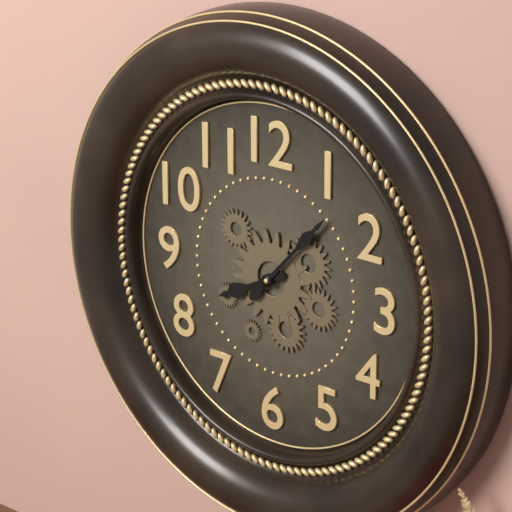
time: 8:07
